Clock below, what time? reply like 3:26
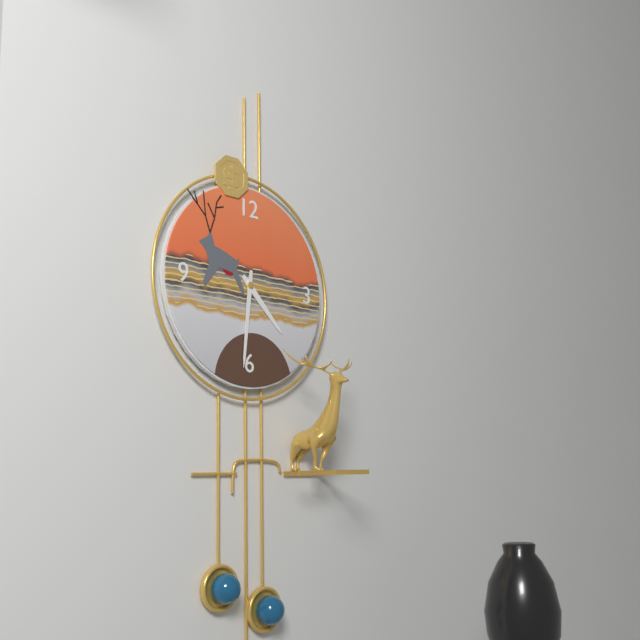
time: 4:31
